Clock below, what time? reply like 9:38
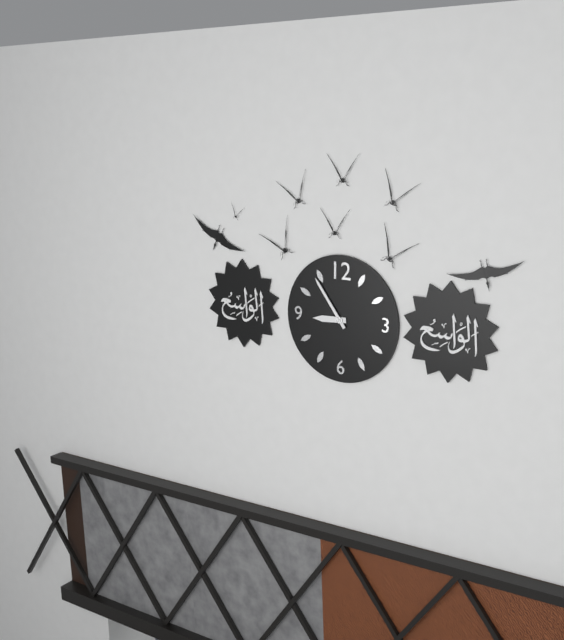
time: 8:54
